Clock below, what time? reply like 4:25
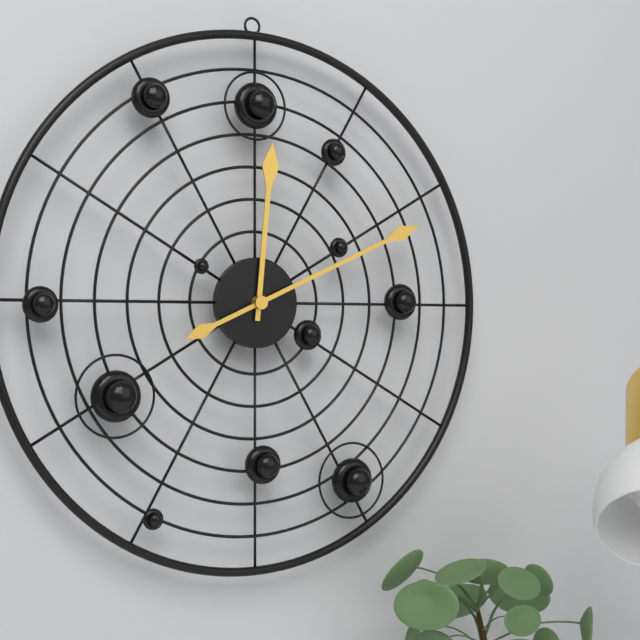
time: 12:11
